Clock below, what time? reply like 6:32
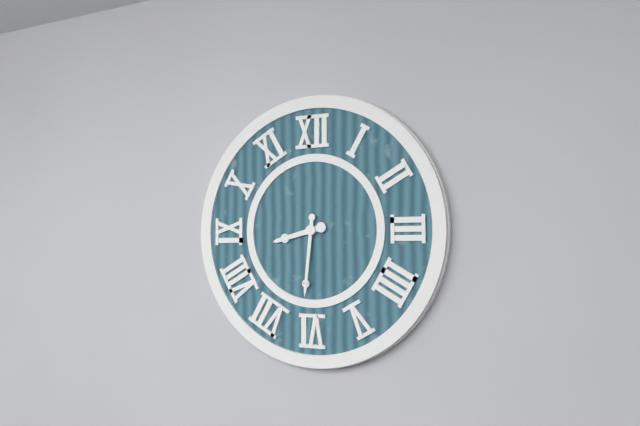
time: 8:31
